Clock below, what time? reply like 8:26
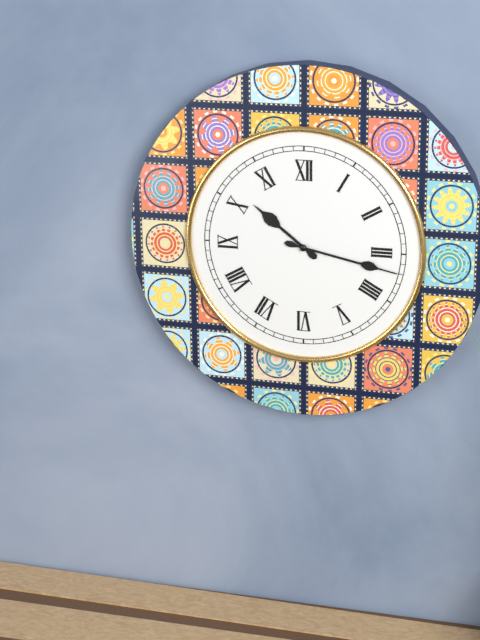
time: 10:17
